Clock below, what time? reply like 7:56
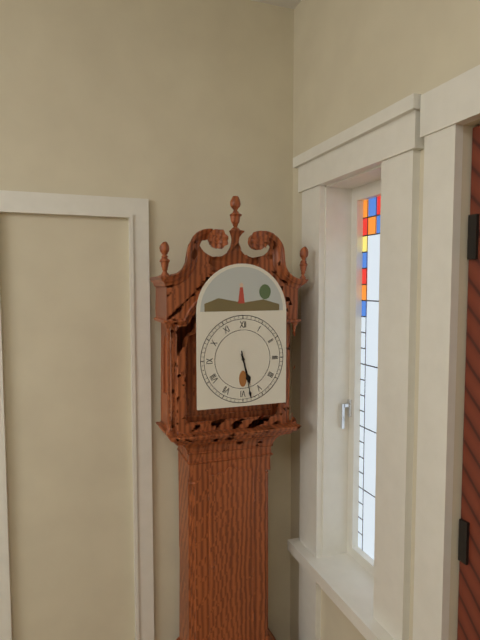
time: 5:28
